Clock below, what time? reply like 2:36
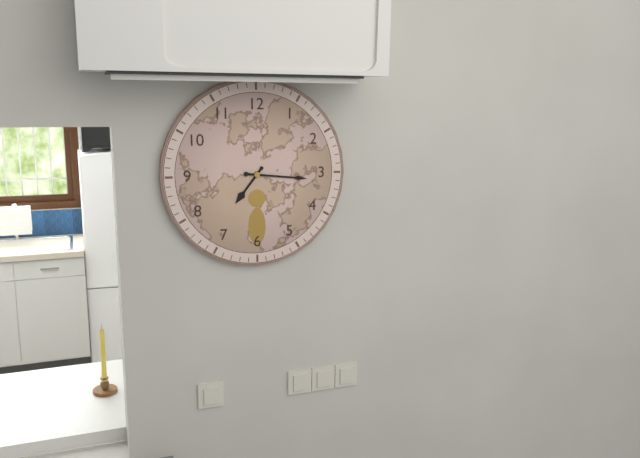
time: 7:16
